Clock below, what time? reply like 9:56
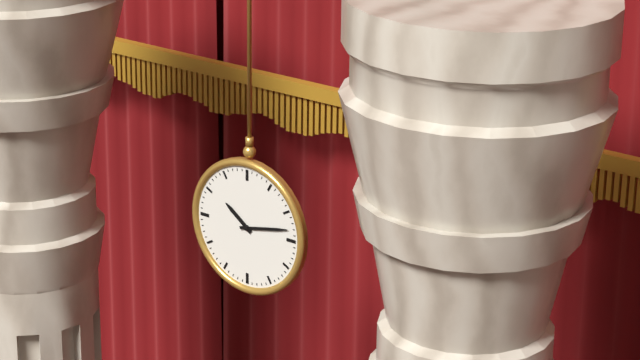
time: 10:13
